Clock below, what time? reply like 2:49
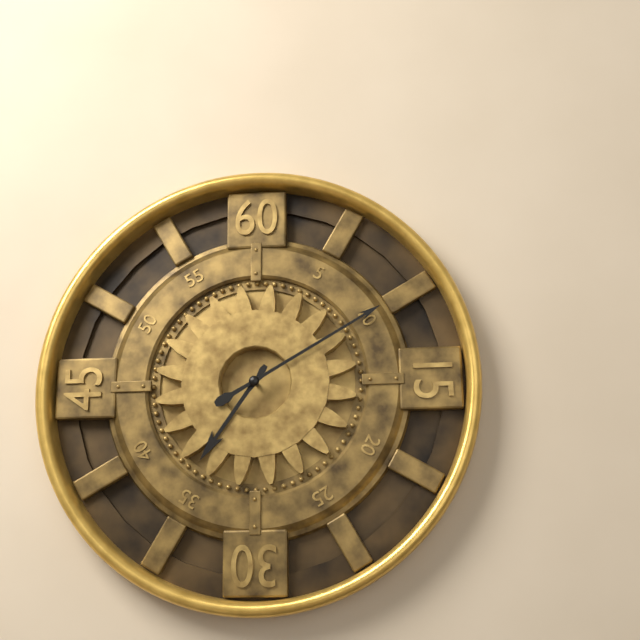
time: 7:10
